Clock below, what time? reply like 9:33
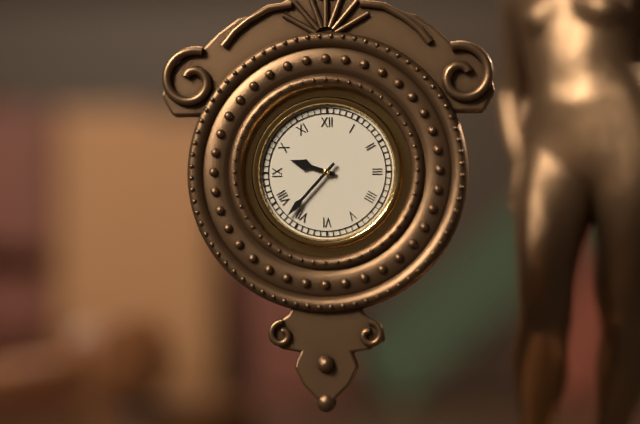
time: 9:37
